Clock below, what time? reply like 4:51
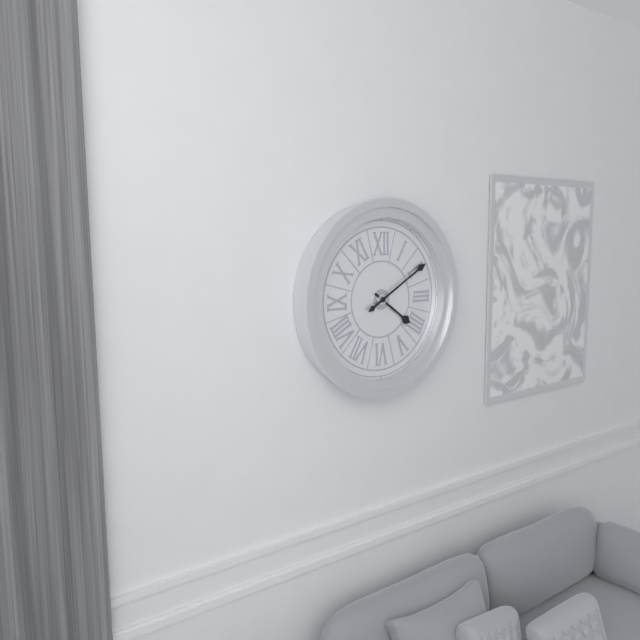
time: 4:10
